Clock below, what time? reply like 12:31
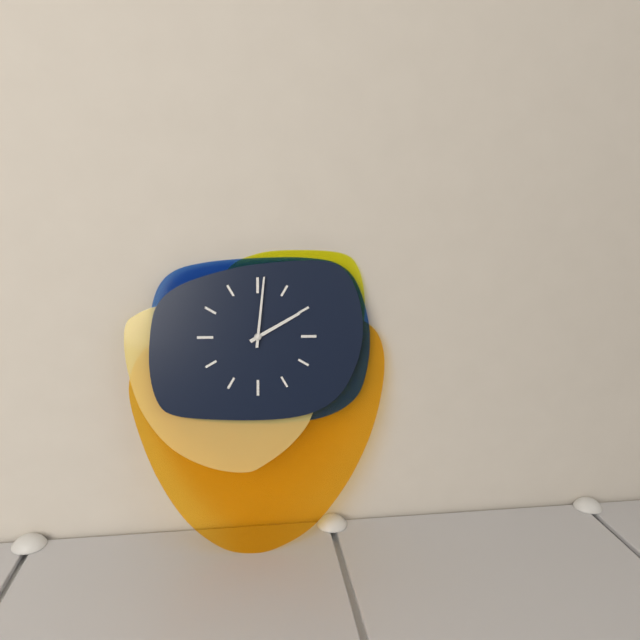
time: 2:01
